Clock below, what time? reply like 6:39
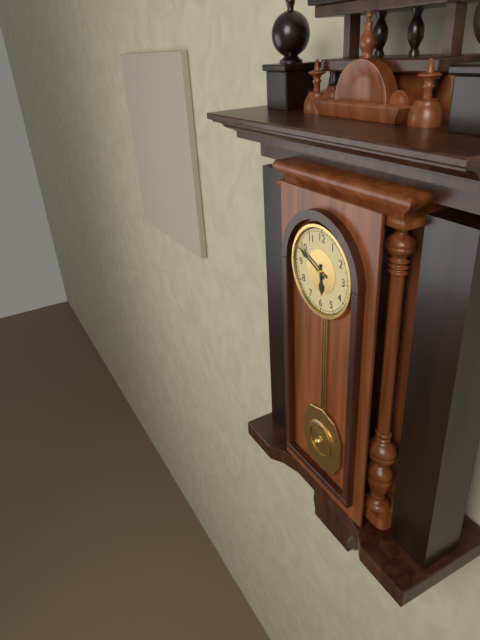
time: 5:49
